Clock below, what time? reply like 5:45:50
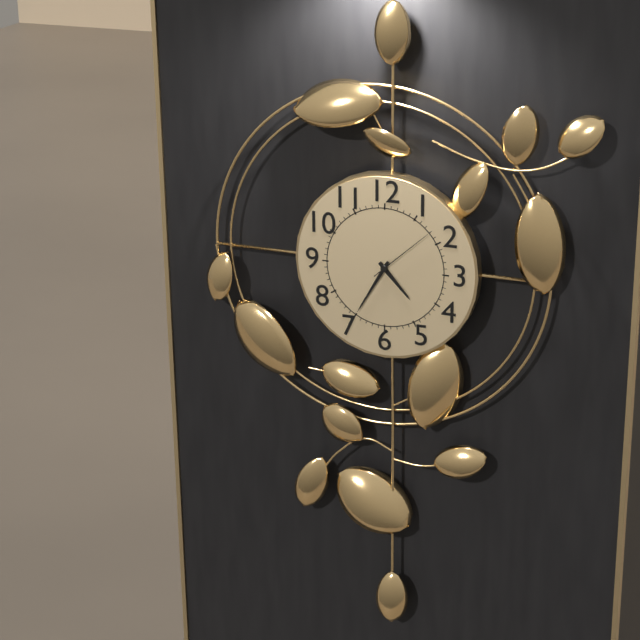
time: 4:35:08
